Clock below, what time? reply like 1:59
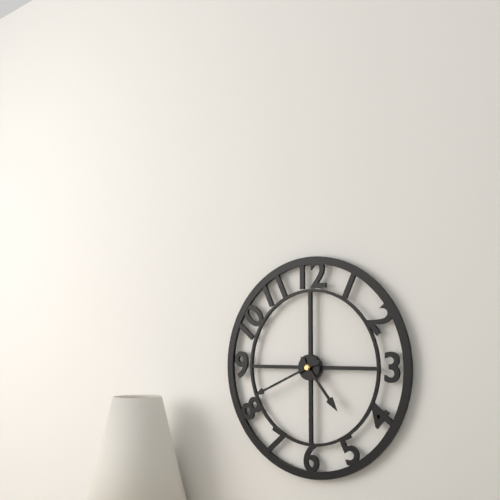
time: 4:41
